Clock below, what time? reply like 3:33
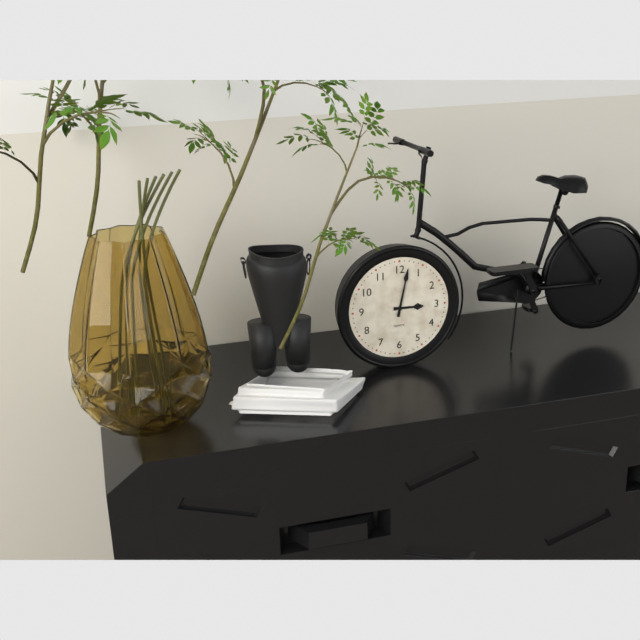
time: 3:02
